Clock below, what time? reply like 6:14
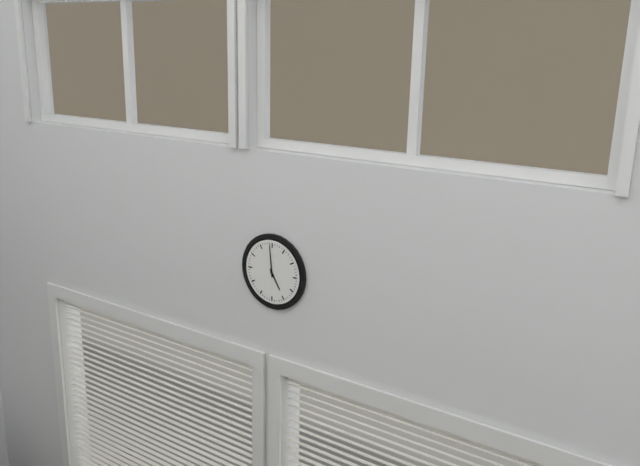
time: 4:59
